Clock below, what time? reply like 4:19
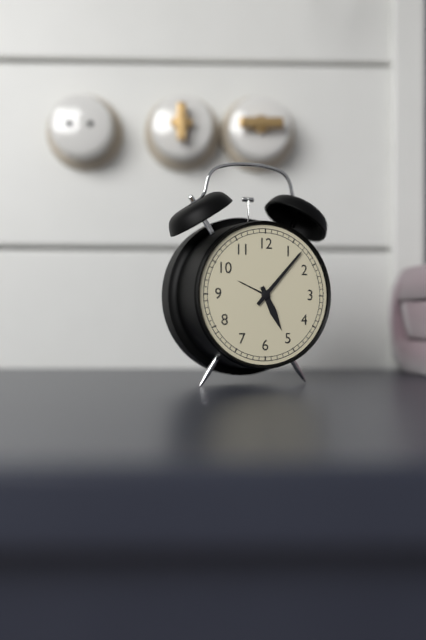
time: 5:07
